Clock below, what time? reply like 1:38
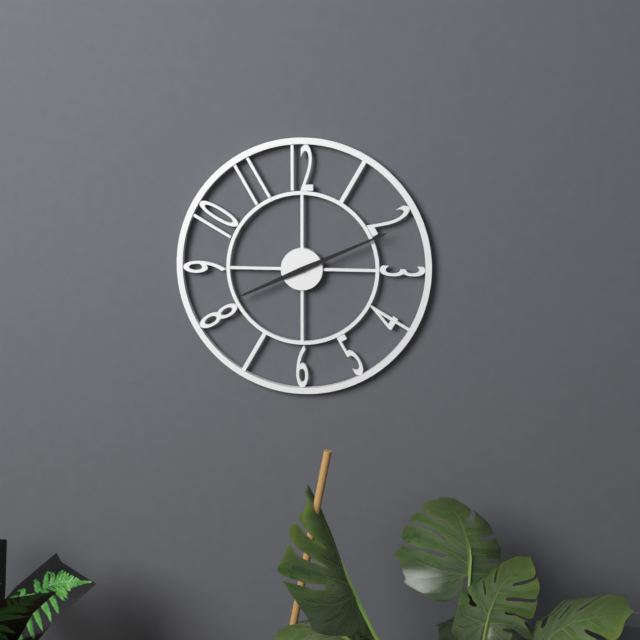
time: 8:11
